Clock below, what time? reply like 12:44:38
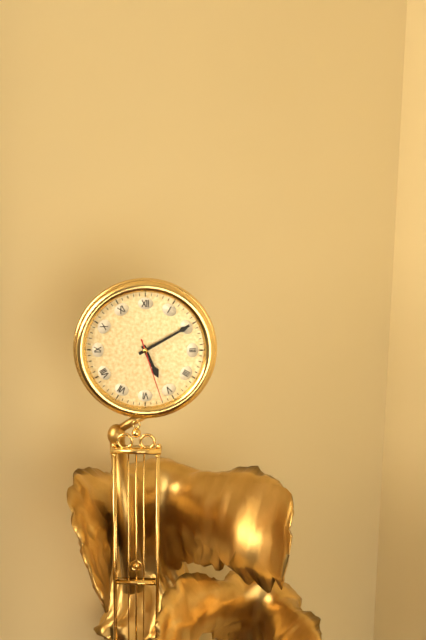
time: 5:10:27
